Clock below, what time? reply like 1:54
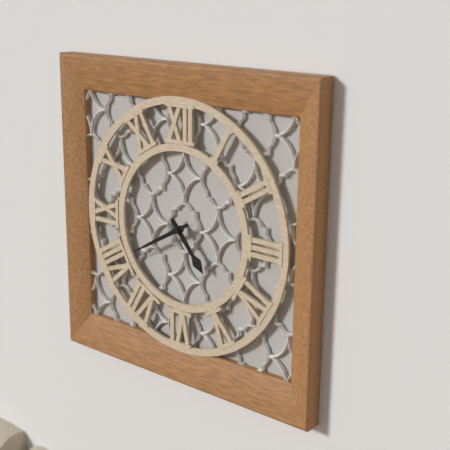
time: 4:40
